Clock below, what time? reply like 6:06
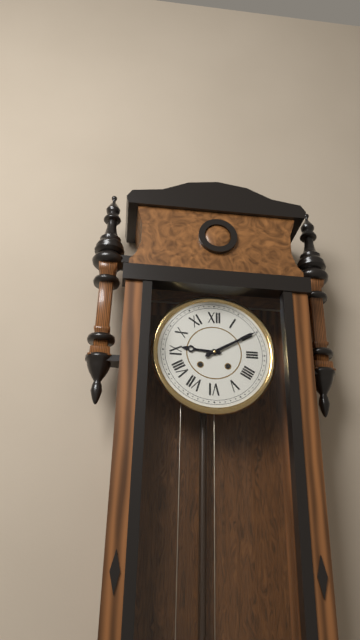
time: 9:10
